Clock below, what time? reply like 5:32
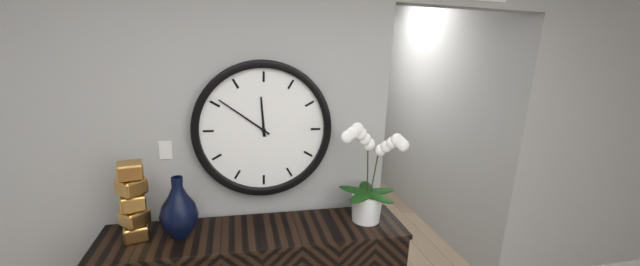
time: 11:51
